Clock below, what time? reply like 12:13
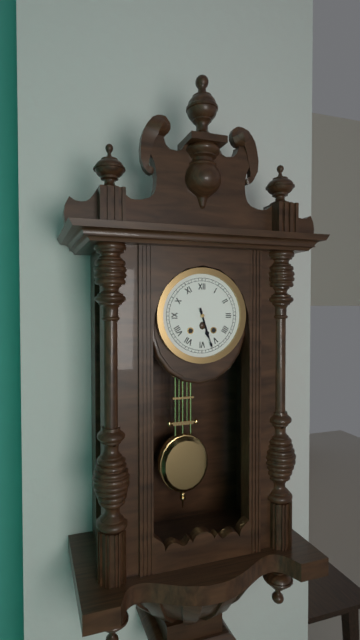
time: 5:27
